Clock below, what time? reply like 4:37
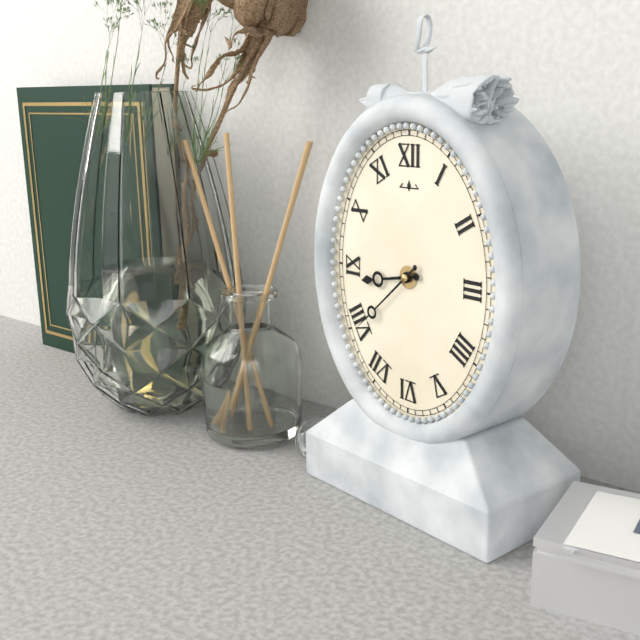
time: 8:38
